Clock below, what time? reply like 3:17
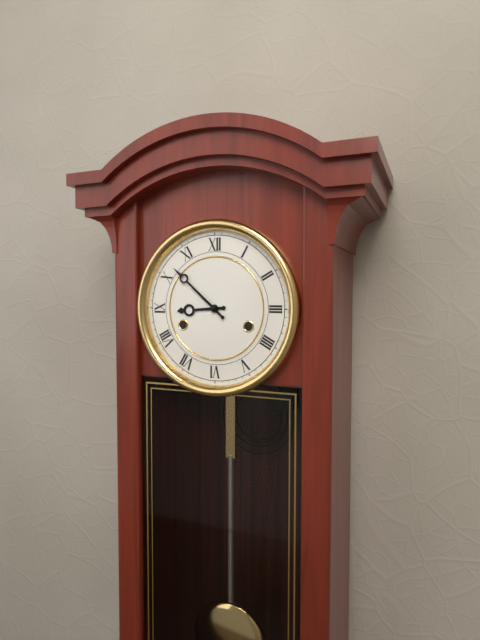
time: 8:52
